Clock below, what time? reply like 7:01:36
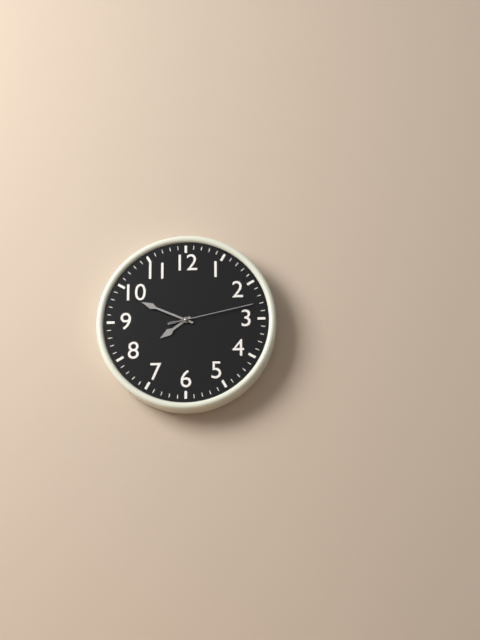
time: 7:49:13
